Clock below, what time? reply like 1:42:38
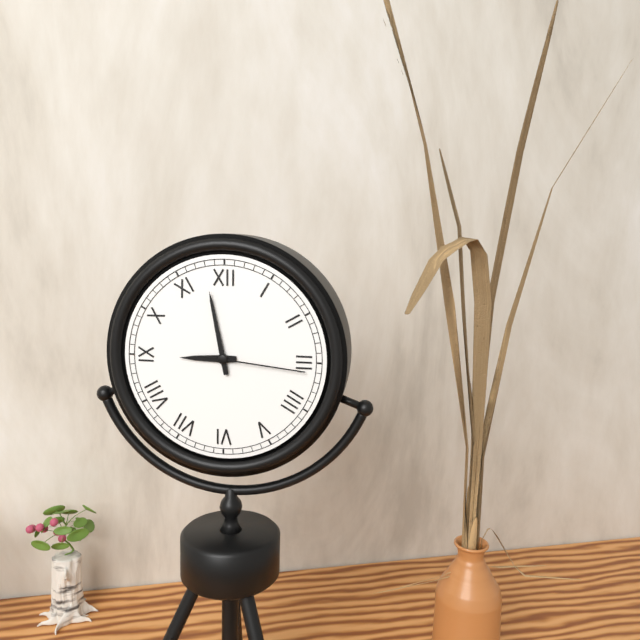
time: 8:58:16
